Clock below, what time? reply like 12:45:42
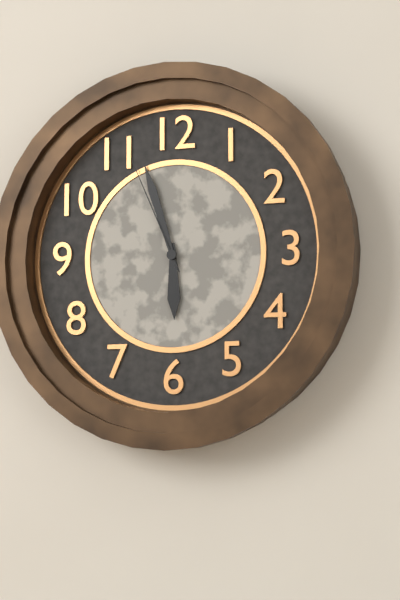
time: 5:57:56
